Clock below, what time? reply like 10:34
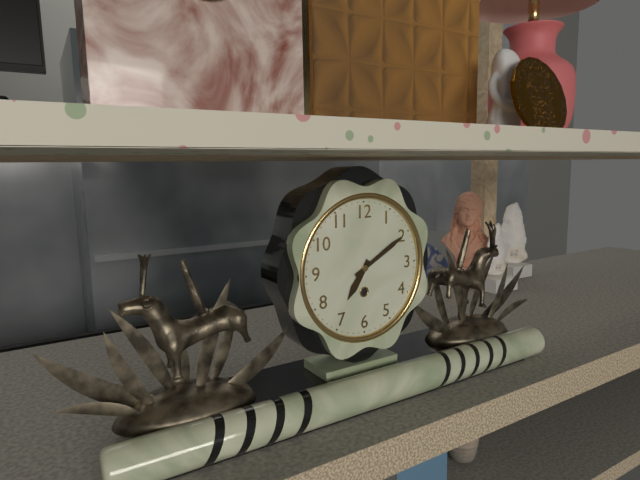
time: 7:10
